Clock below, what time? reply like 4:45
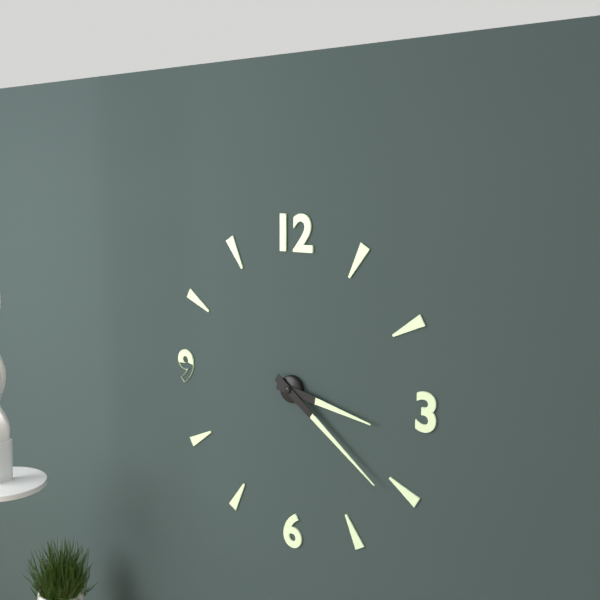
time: 3:21
